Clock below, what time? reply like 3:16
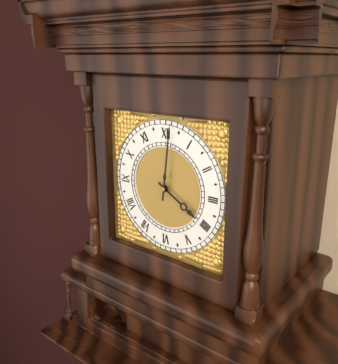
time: 4:01
